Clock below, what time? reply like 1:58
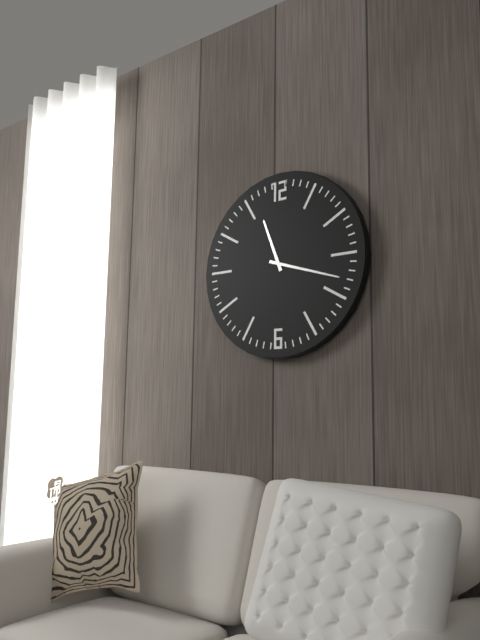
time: 11:18
